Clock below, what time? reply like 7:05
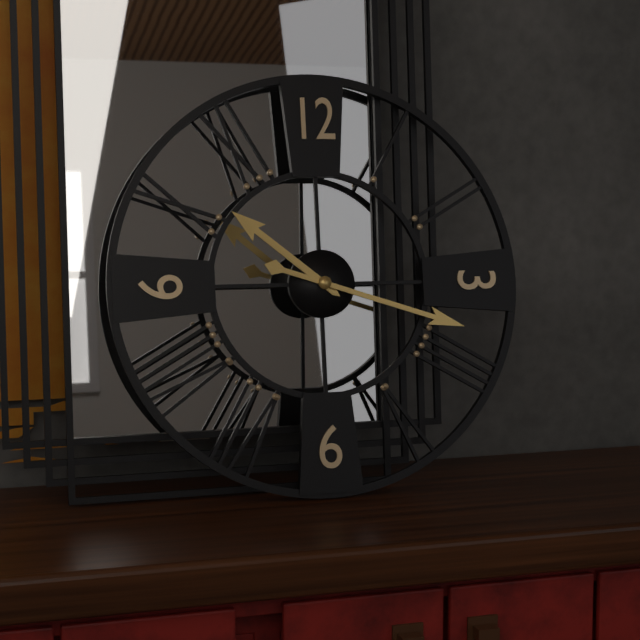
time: 10:18
